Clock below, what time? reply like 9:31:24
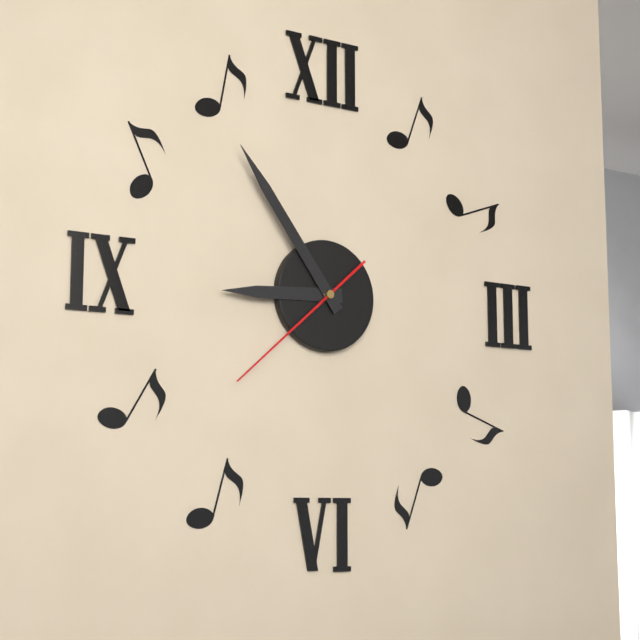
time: 8:54:38
